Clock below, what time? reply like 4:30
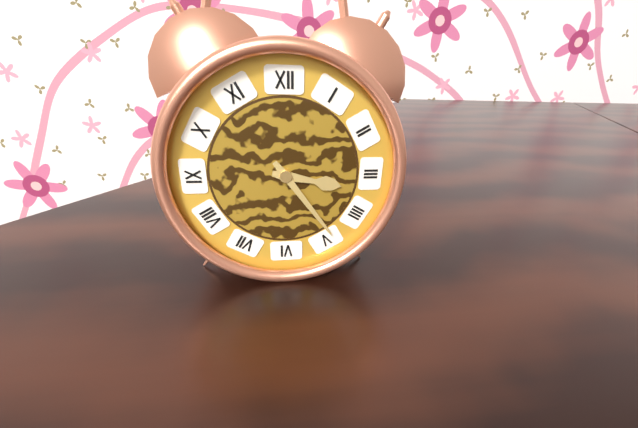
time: 3:24
